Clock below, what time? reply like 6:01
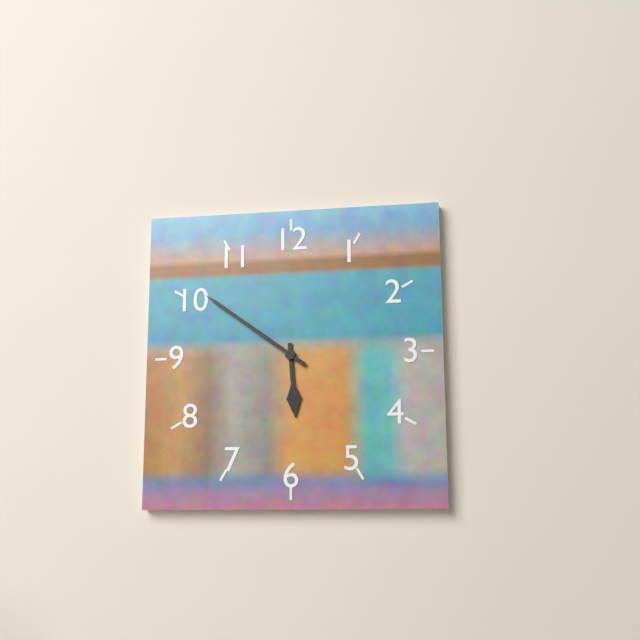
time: 5:51
